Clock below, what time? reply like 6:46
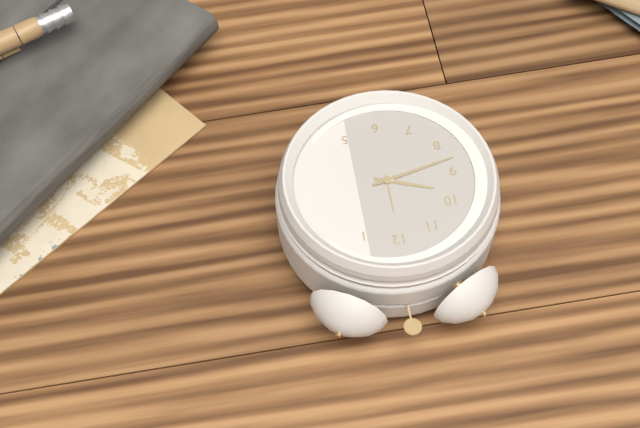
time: 9:43
